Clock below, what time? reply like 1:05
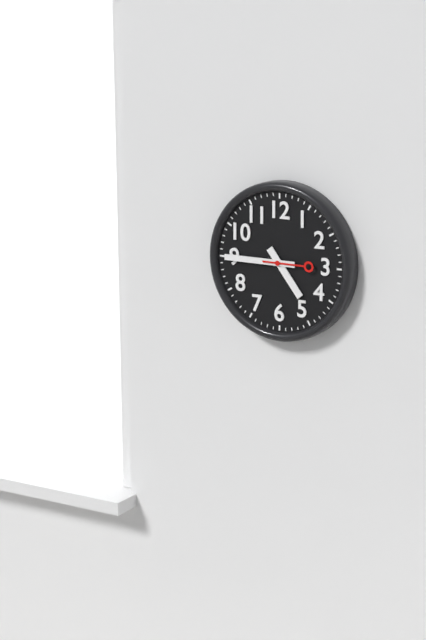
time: 4:45
